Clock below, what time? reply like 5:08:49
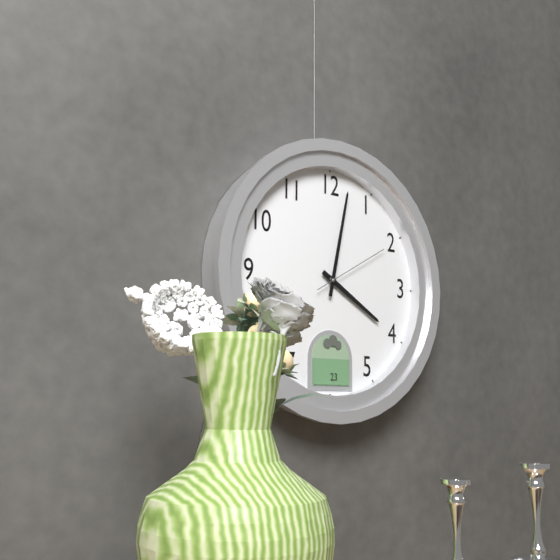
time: 4:02:10
